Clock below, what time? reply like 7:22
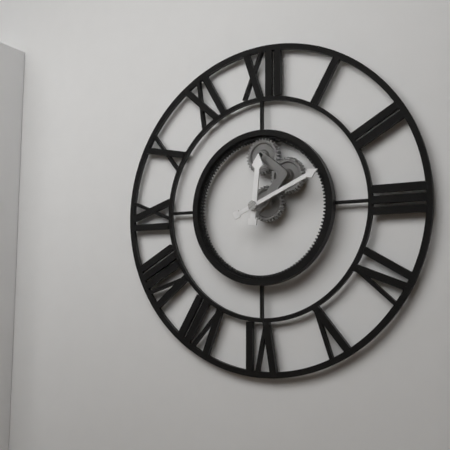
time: 12:11
